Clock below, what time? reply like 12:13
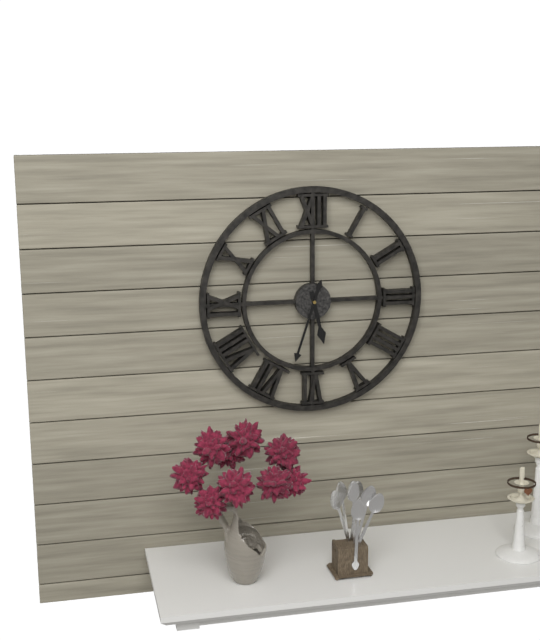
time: 5:33
